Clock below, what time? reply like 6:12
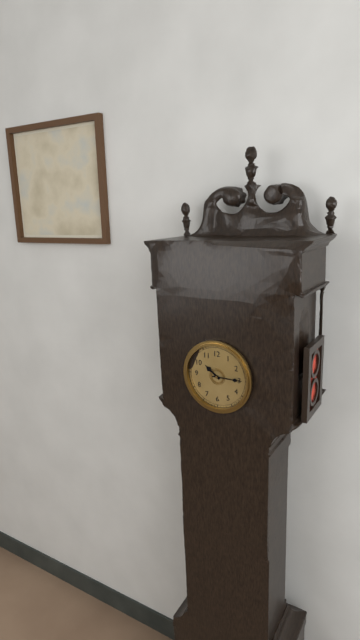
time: 10:15
